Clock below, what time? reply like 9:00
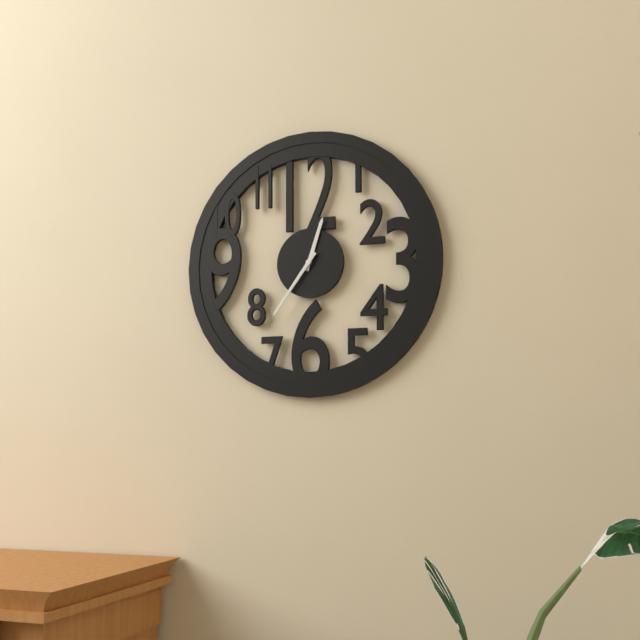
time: 12:36
